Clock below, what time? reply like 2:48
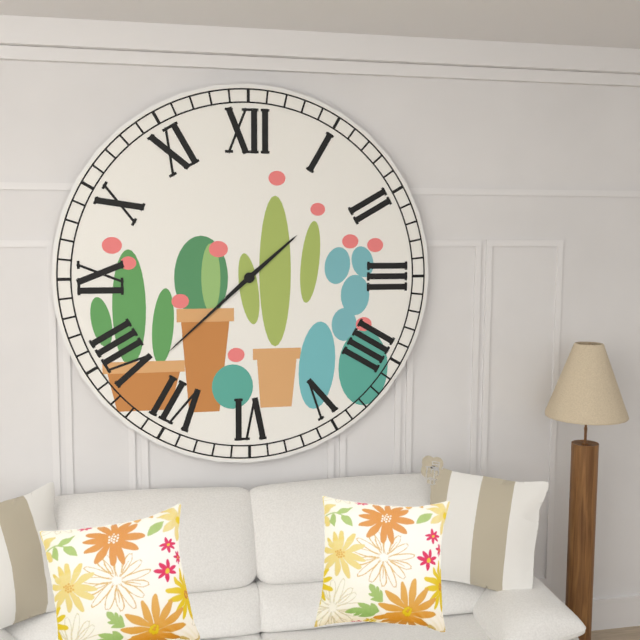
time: 1:38
